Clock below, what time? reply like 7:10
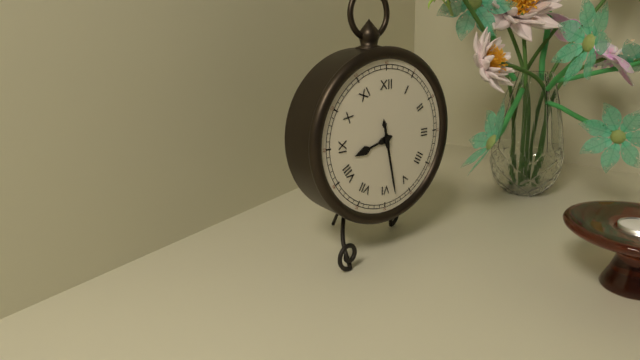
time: 8:28
